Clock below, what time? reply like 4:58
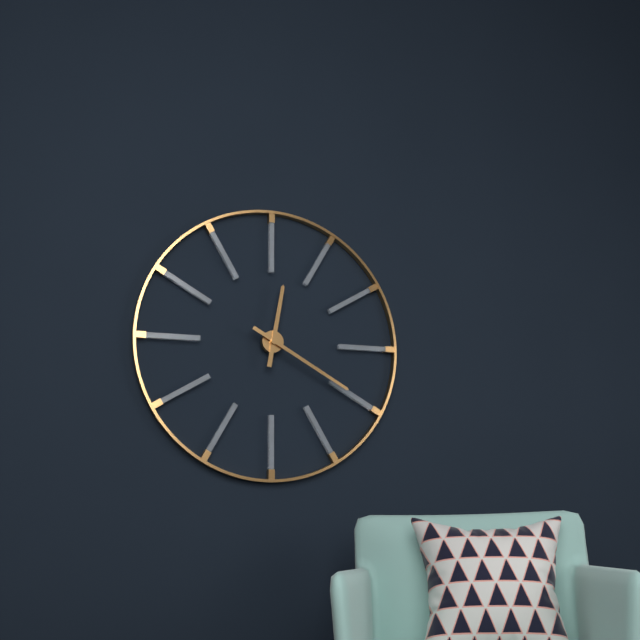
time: 12:20
